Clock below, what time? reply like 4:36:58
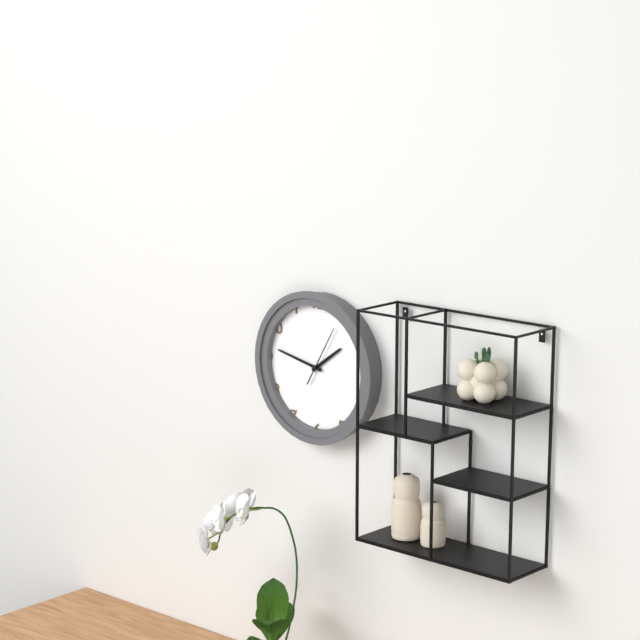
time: 1:47:05
